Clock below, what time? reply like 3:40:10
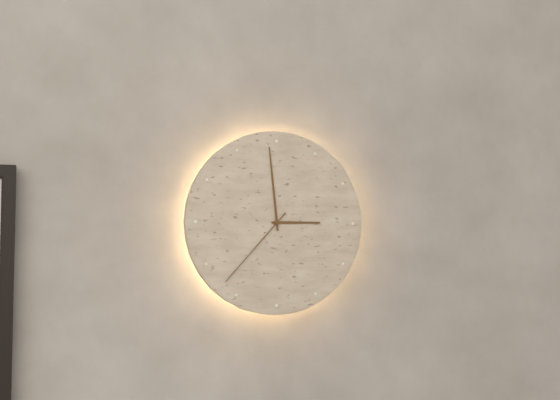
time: 2:59:37
